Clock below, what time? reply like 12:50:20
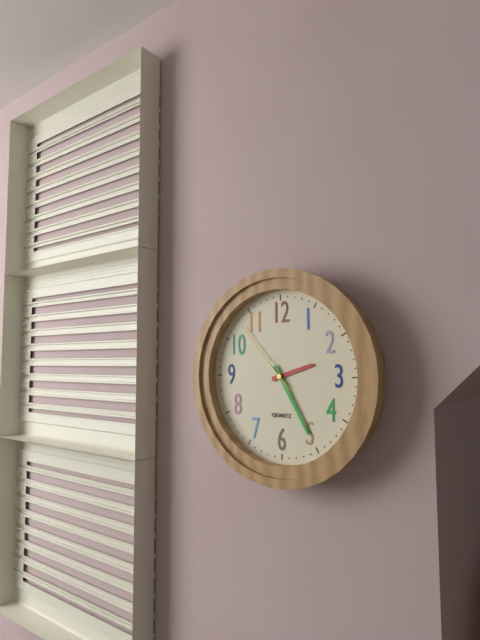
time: 2:25:53
